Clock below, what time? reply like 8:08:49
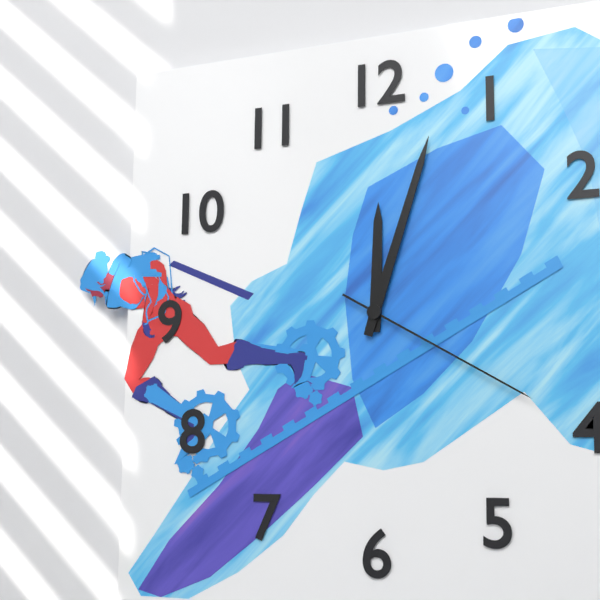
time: 12:03:20
